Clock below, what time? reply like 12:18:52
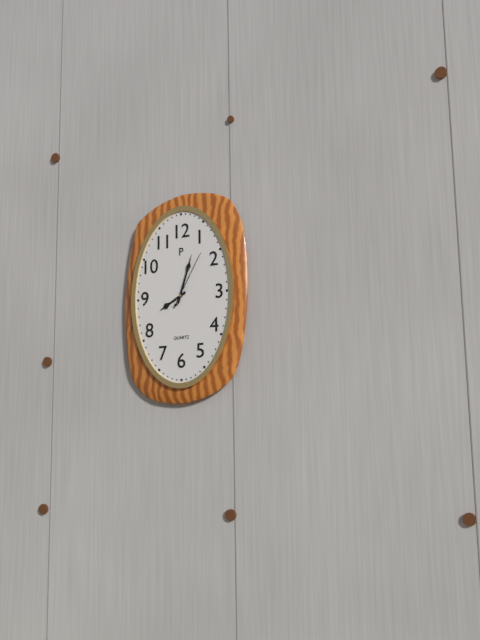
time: 8:03:05
